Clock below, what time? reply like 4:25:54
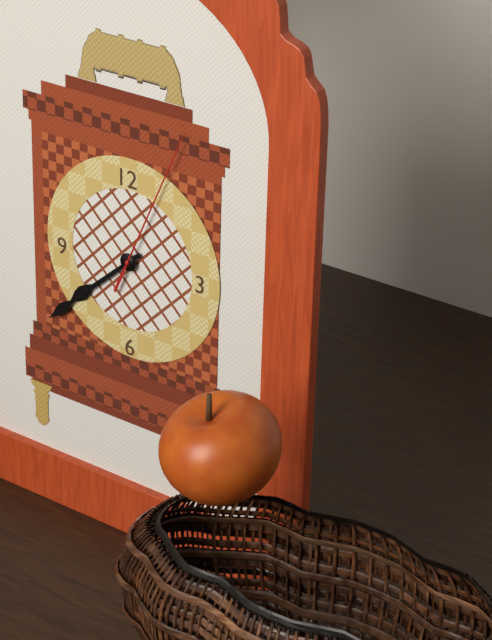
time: 7:38:04
